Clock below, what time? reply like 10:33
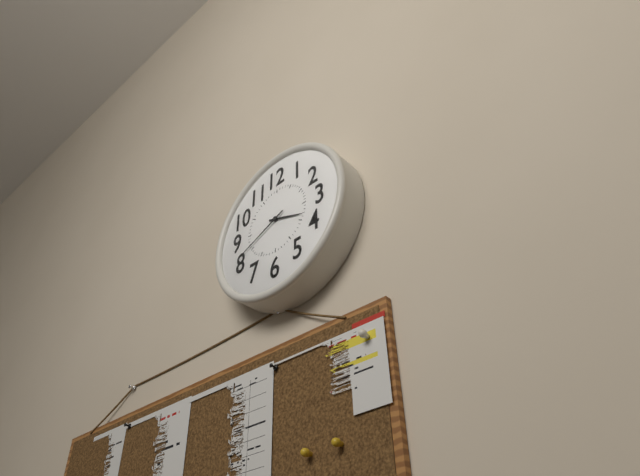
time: 3:41
